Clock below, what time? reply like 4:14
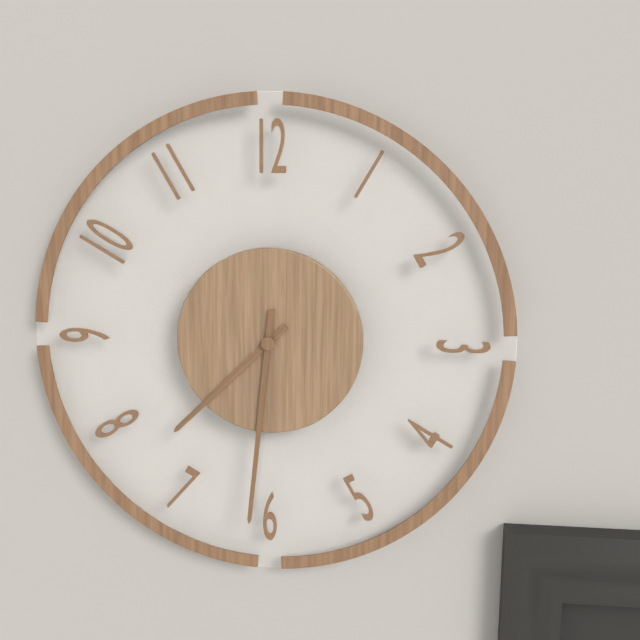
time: 7:31
